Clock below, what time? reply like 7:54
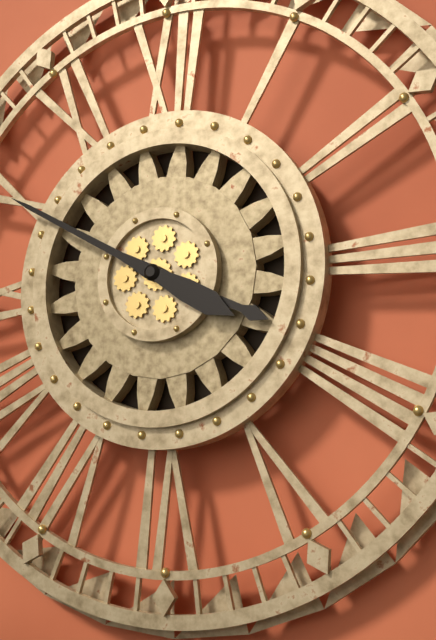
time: 3:50
